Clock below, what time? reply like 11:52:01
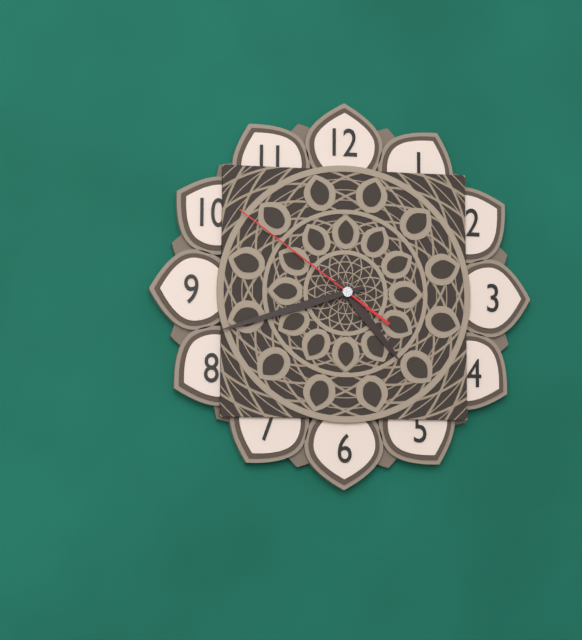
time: 4:42:51
